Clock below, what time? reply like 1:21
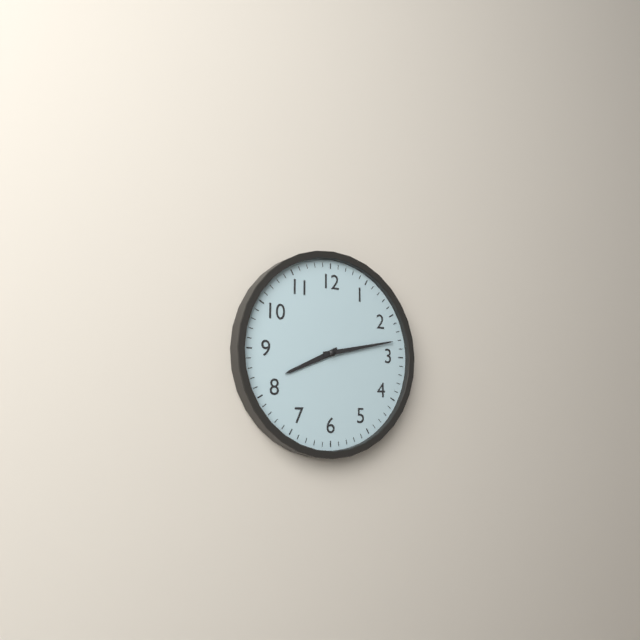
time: 8:13
